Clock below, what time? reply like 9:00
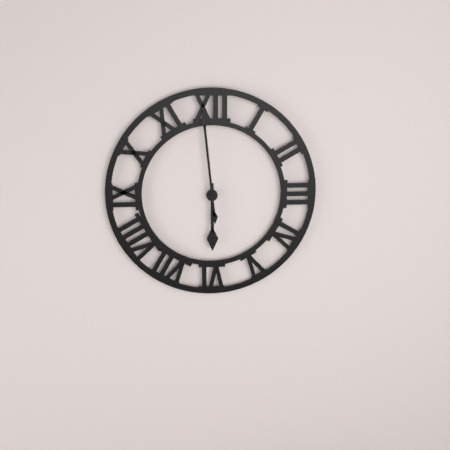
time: 5:59
